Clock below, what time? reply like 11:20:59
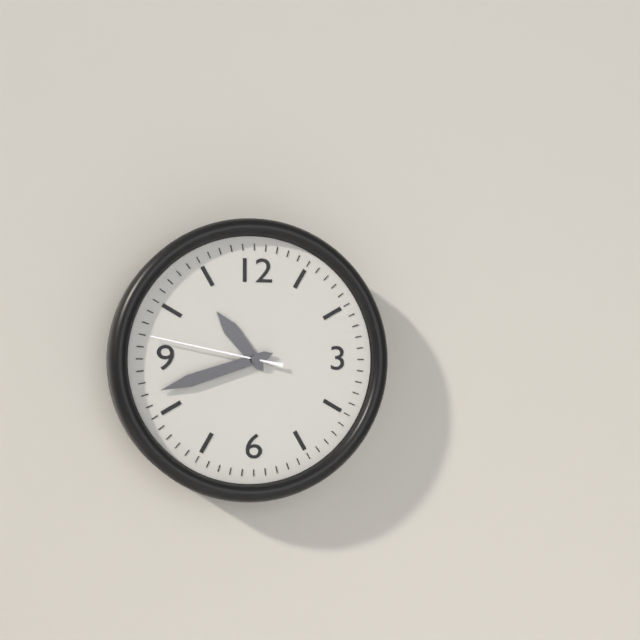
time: 10:42:47
